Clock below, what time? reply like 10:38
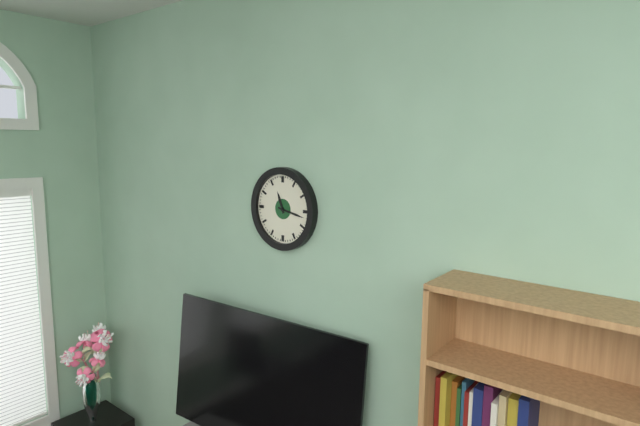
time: 11:17
